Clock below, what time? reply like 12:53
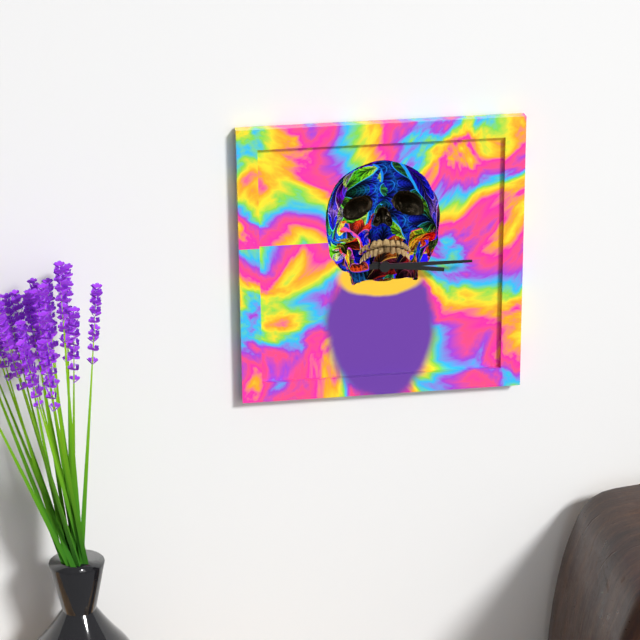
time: 3:15
